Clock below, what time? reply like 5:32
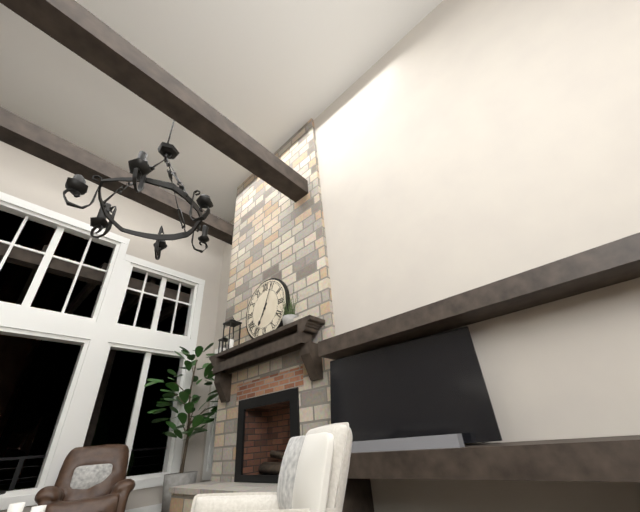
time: 7:04
